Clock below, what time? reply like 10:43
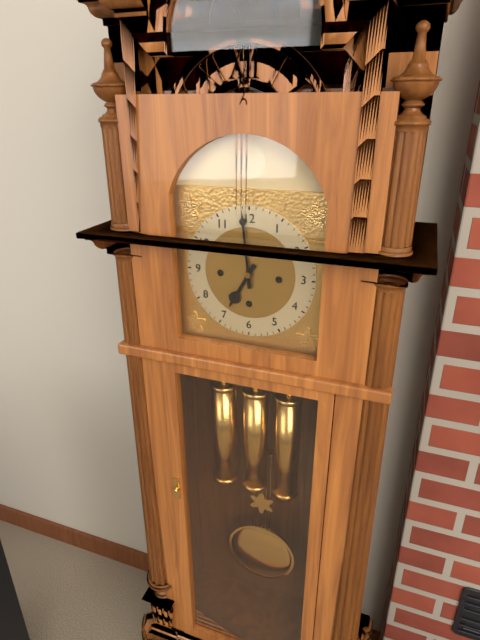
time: 6:59
